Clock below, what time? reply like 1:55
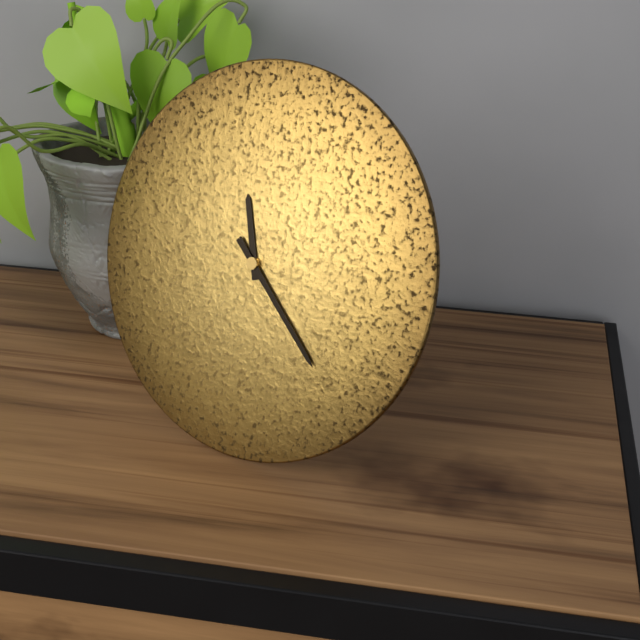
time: 11:22
